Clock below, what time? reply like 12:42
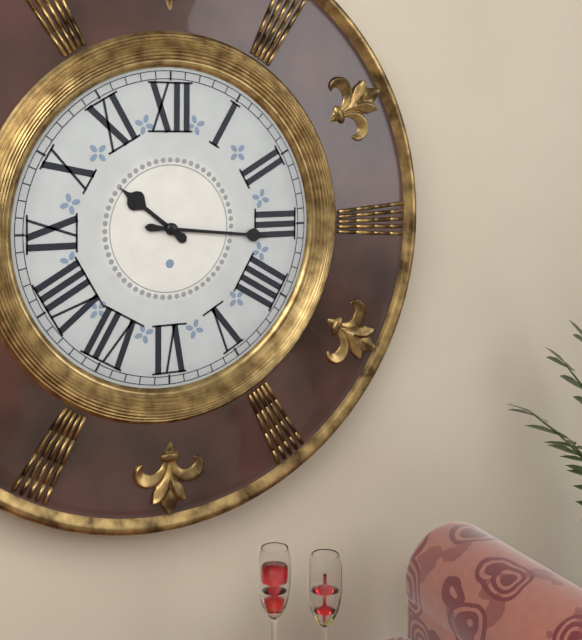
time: 10:16
